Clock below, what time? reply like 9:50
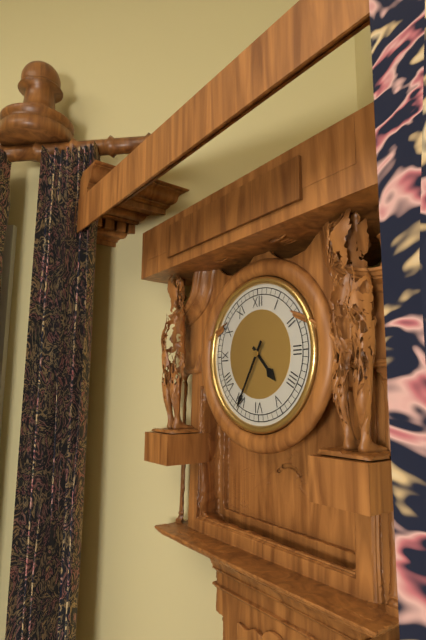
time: 4:35
